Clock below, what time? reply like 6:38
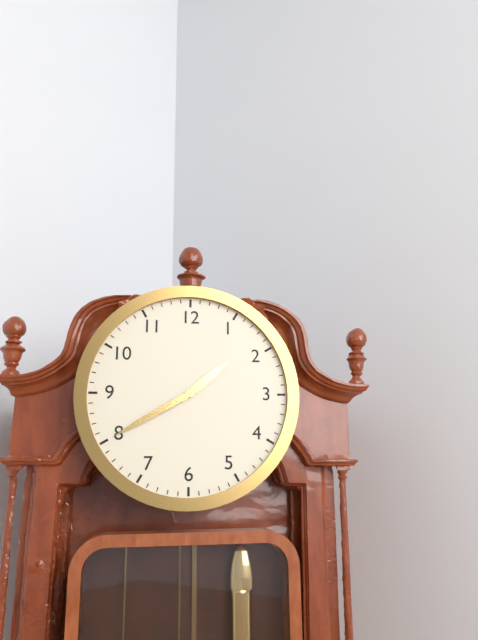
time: 1:40
